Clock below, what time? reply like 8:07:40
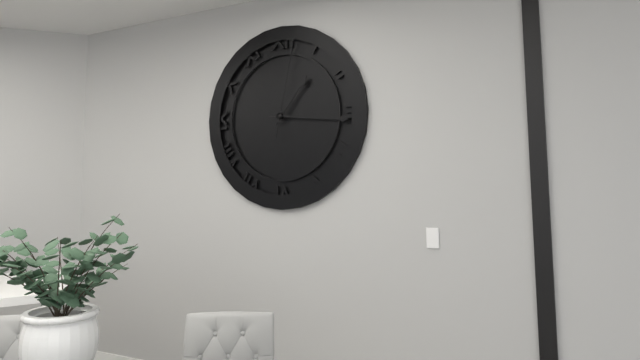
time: 1:16:02
